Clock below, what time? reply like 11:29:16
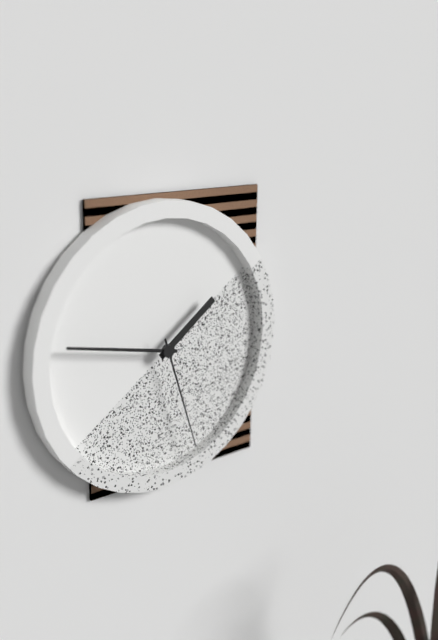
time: 1:47:27
